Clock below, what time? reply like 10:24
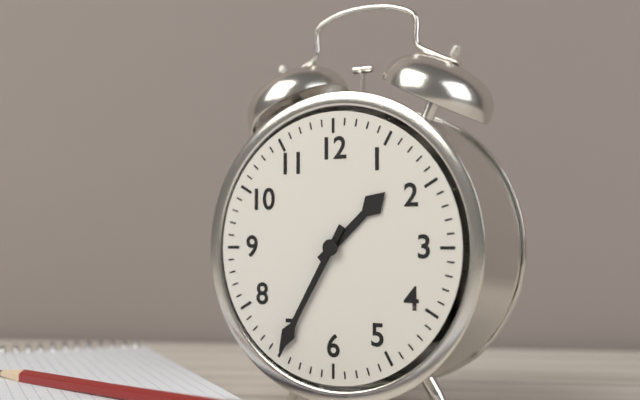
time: 1:35
